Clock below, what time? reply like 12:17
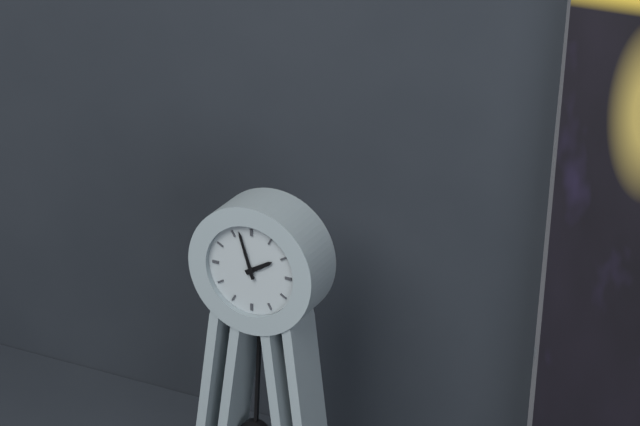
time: 1:57
